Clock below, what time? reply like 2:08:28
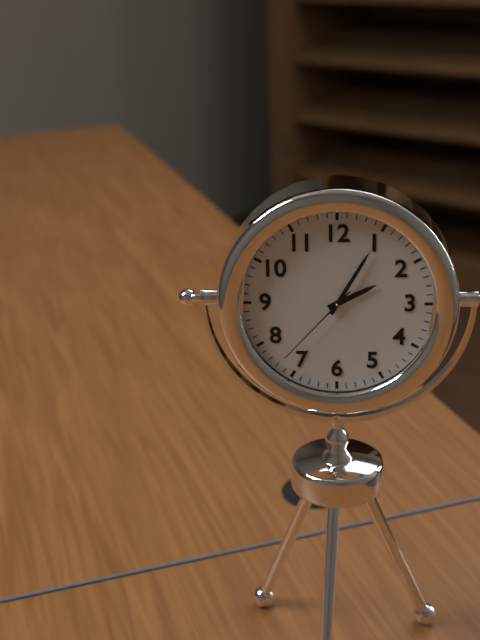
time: 2:05:37
